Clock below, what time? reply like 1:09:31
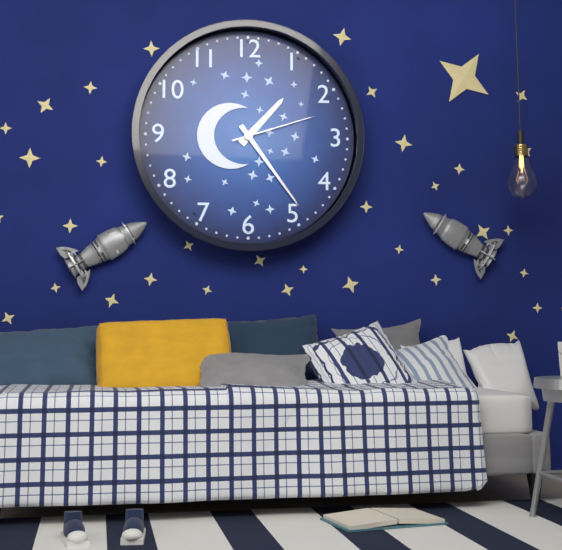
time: 1:24:12
